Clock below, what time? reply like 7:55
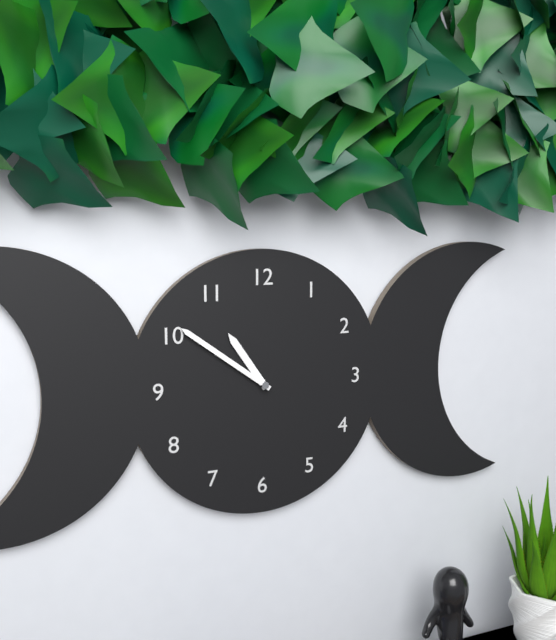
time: 10:51
